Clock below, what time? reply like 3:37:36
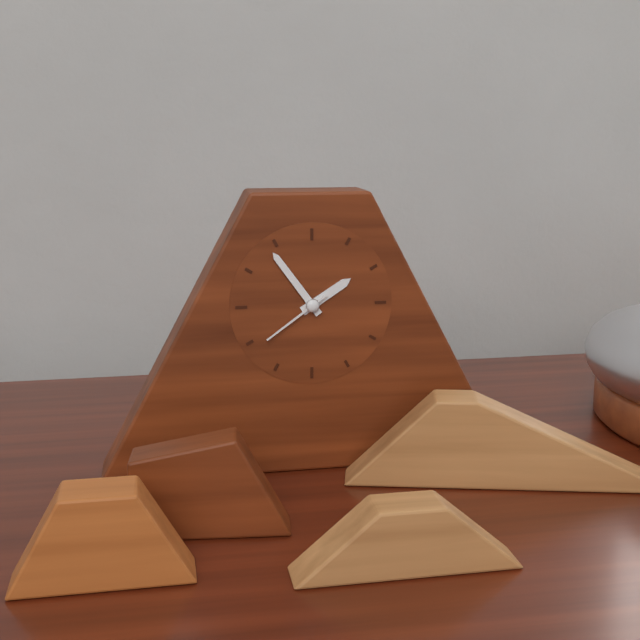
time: 1:54:39
